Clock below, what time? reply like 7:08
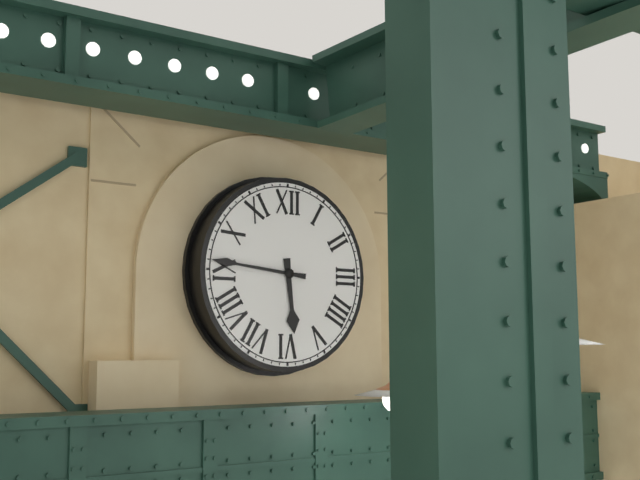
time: 5:46
